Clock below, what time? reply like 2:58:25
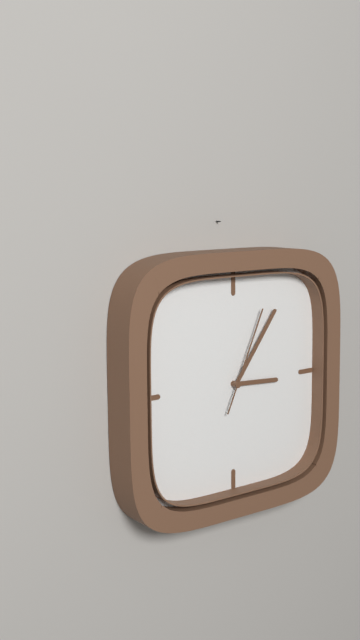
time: 3:06:04
